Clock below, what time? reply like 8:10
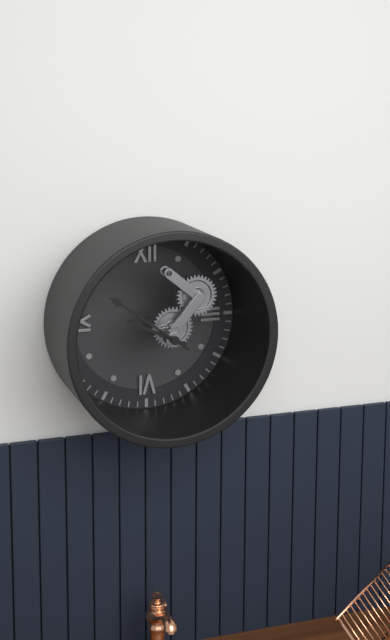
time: 9:51
